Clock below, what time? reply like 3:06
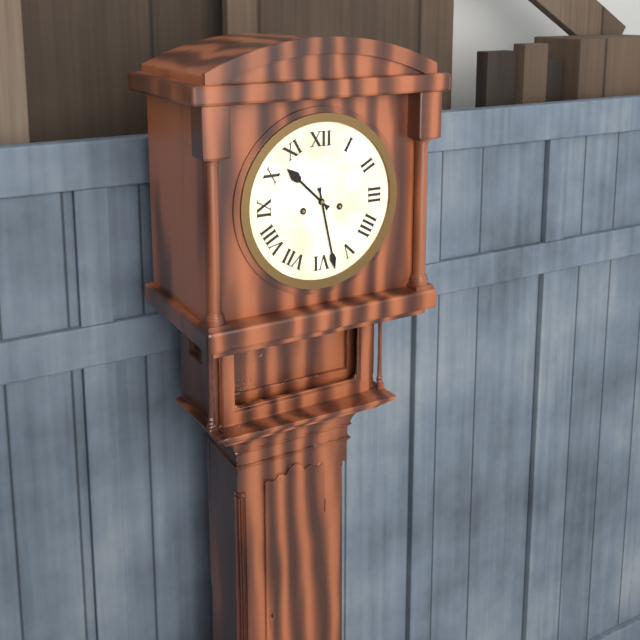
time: 10:28
